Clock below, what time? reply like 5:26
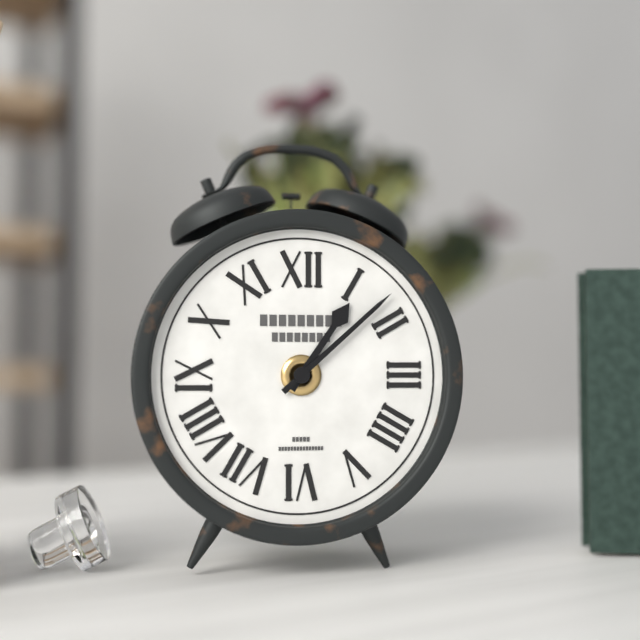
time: 1:08
